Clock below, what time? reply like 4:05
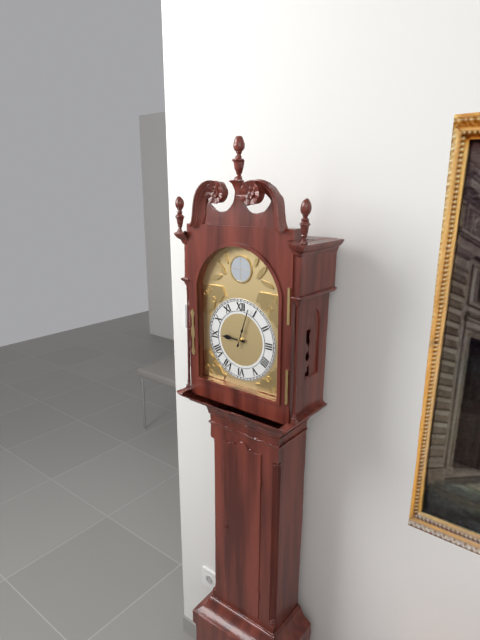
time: 9:03
